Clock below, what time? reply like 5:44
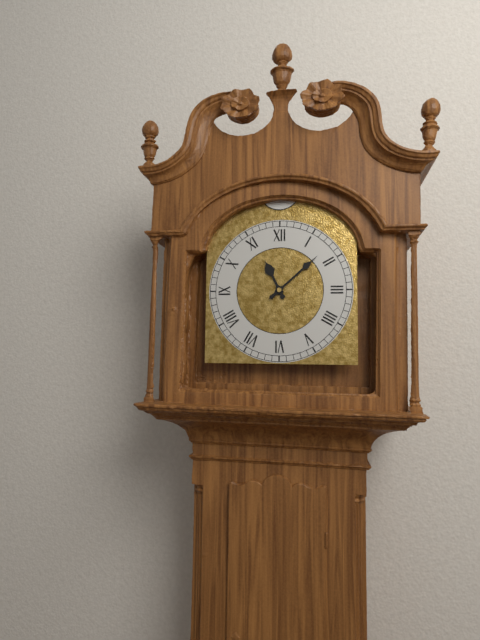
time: 11:08
